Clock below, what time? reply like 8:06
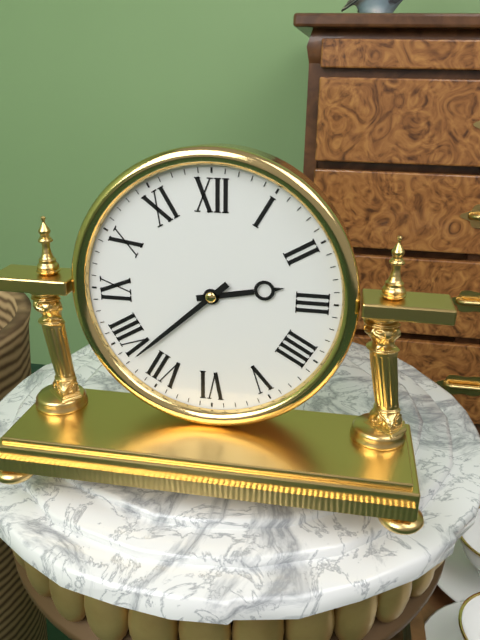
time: 2:38
